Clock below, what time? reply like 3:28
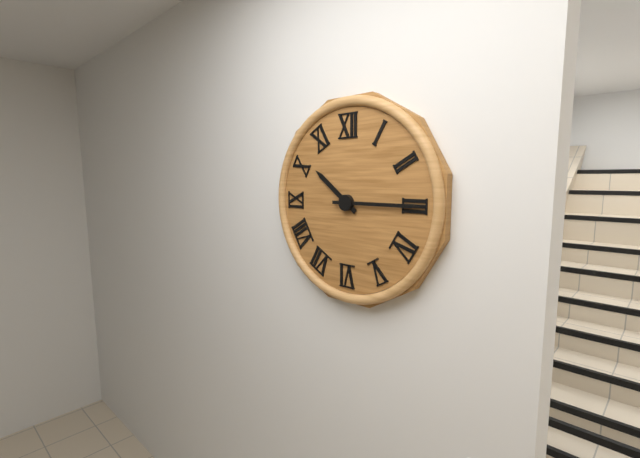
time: 10:15
